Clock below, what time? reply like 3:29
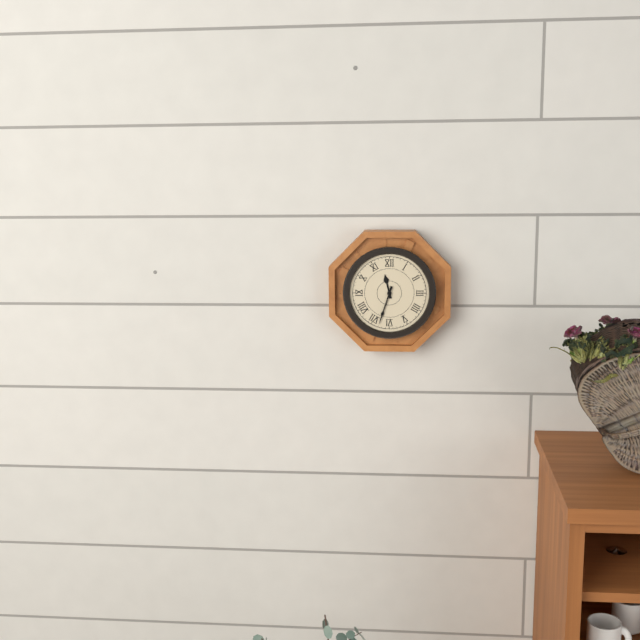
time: 11:33
